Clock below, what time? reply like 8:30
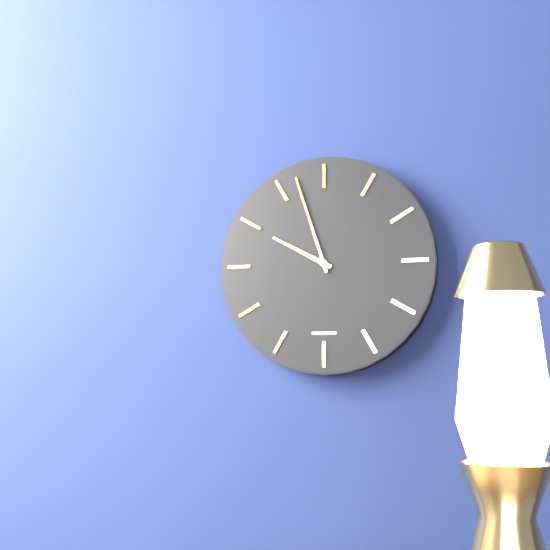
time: 9:57
